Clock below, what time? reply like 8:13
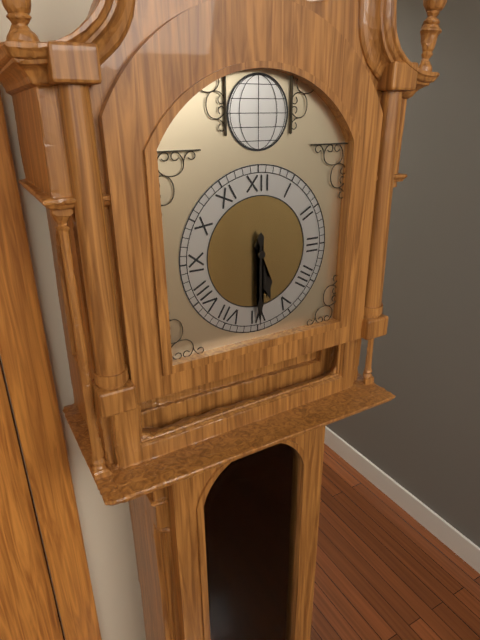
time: 5:30
